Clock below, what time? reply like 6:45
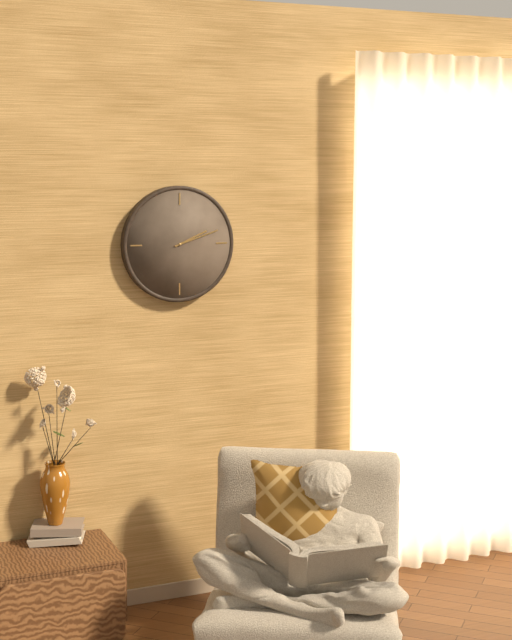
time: 2:12
